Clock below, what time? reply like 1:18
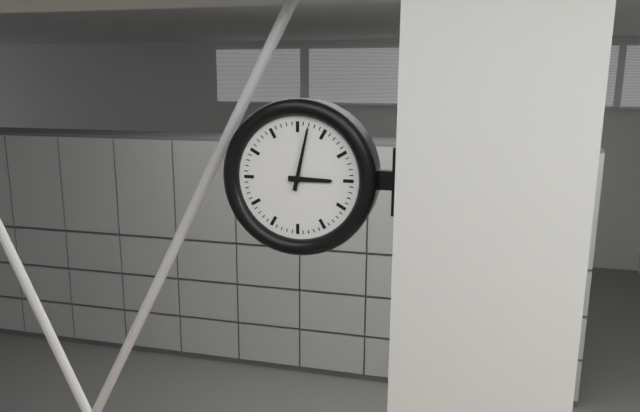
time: 3:02
